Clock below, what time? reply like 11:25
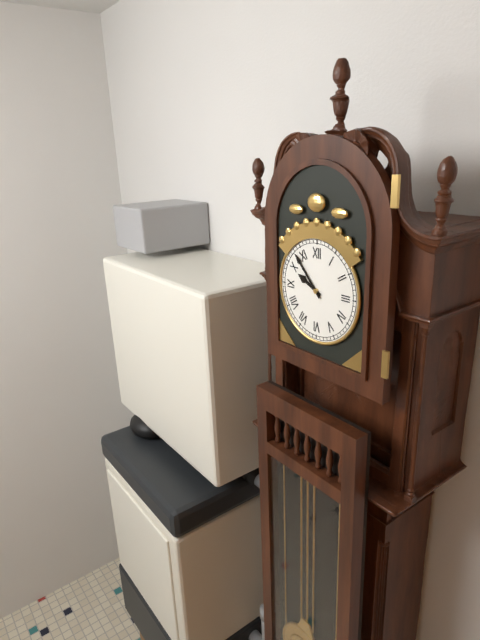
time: 9:53
